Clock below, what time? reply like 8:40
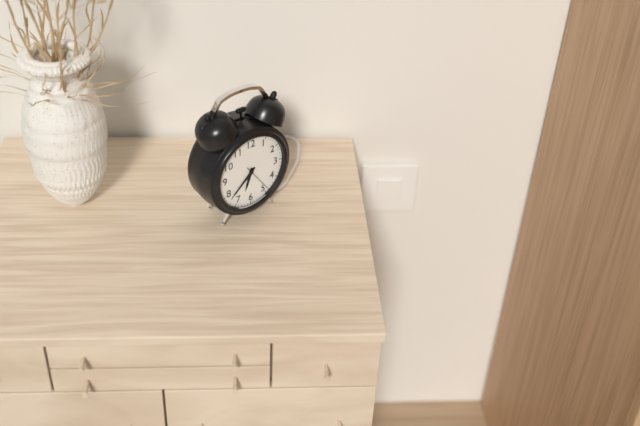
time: 6:38
